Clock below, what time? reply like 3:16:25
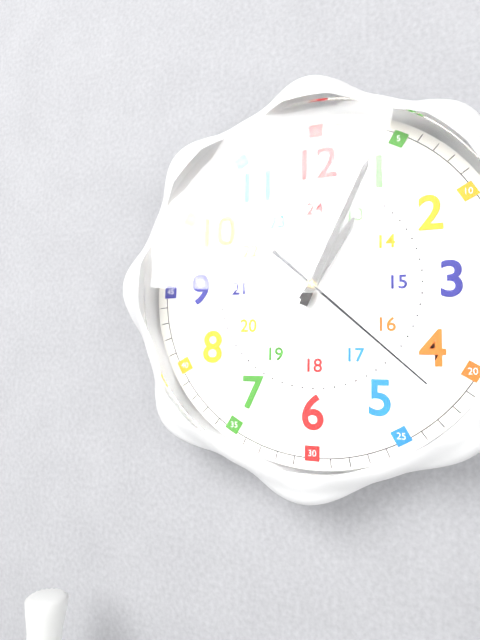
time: 1:04:22
